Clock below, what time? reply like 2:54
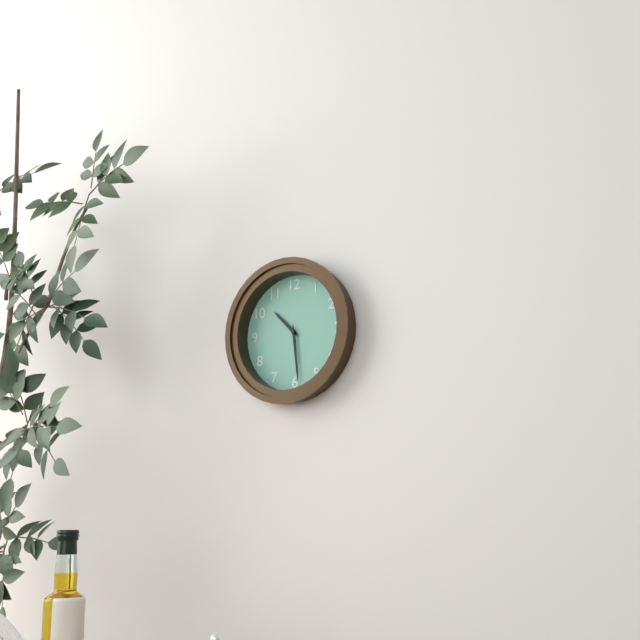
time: 10:29
